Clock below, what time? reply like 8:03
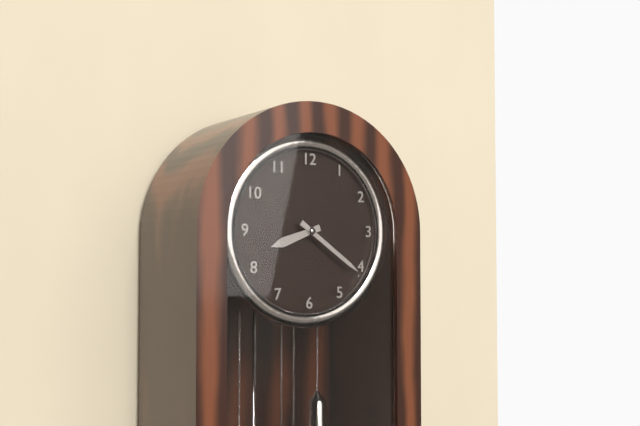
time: 8:21
